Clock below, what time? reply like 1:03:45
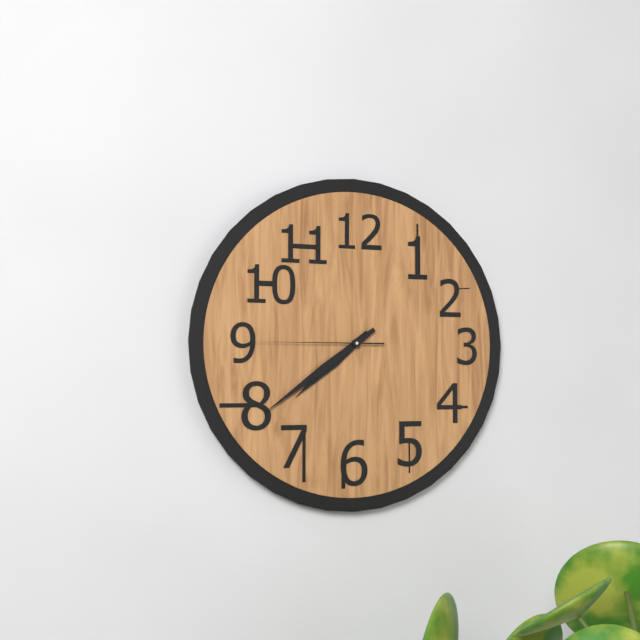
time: 7:39:45
